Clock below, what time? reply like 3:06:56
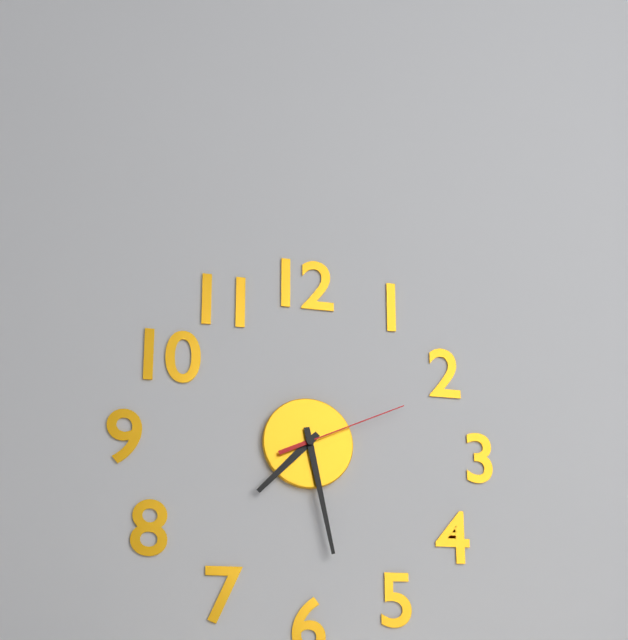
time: 7:28:11
